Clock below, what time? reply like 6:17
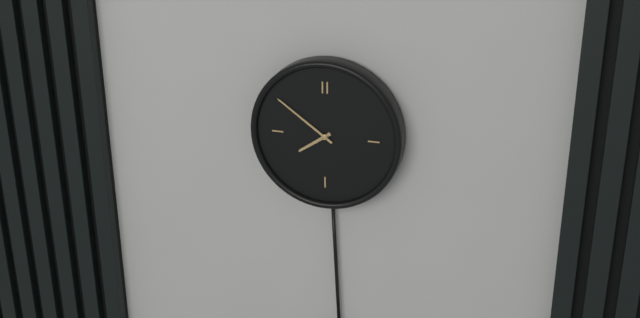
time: 7:51
